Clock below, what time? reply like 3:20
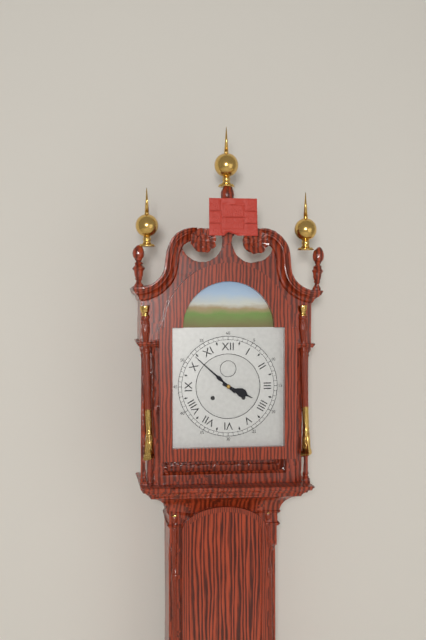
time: 3:52
